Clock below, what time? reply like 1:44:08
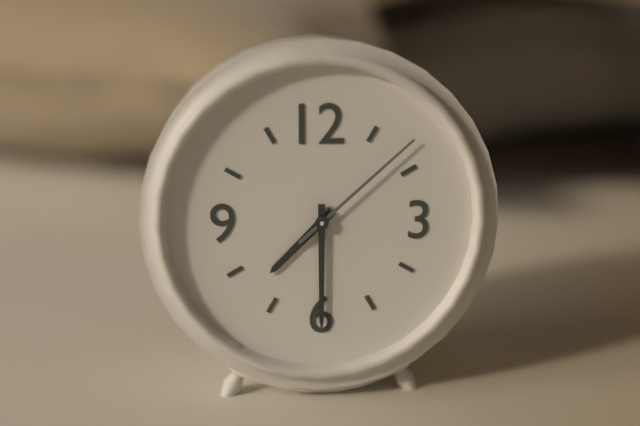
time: 7:30:08
